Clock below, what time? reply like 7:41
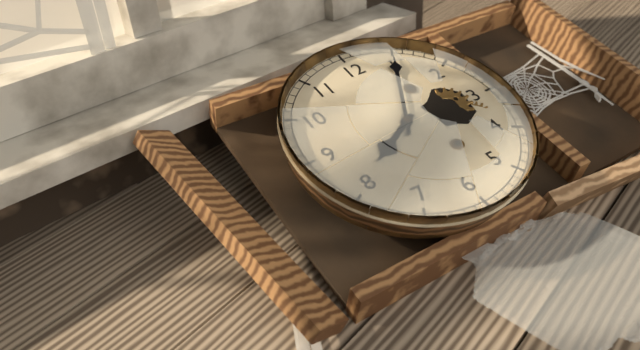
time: 8:05
